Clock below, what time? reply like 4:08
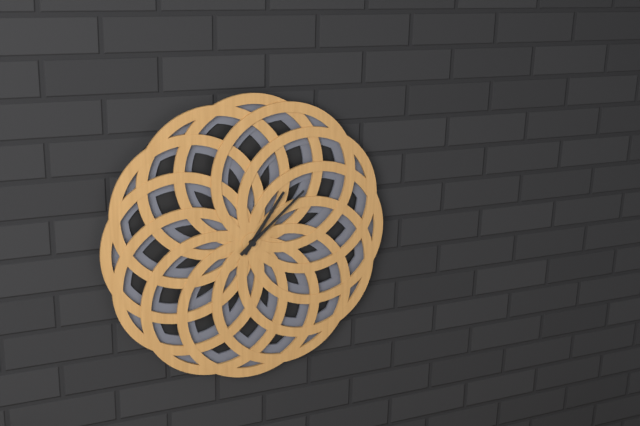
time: 1:08
